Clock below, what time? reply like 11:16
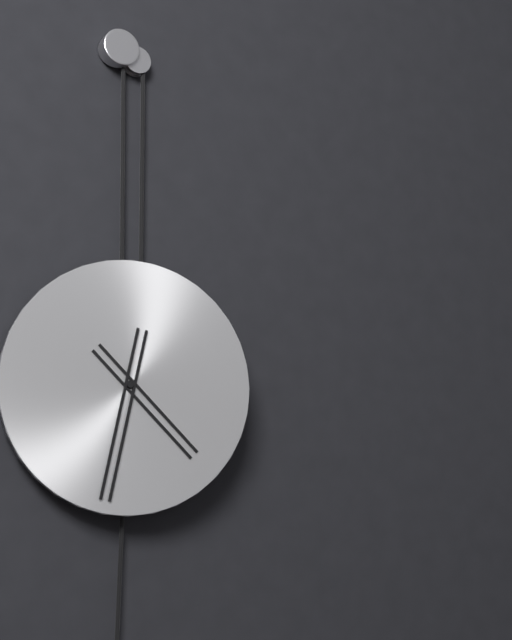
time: 4:32
